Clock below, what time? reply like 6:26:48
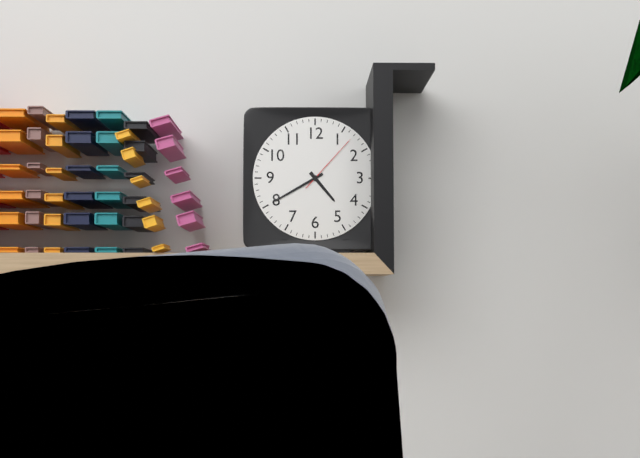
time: 4:40:07
